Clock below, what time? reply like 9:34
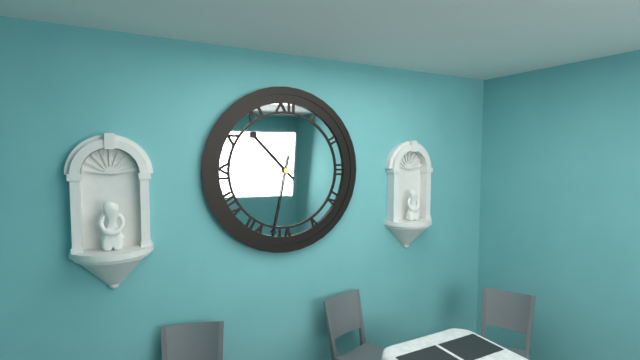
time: 10:32
